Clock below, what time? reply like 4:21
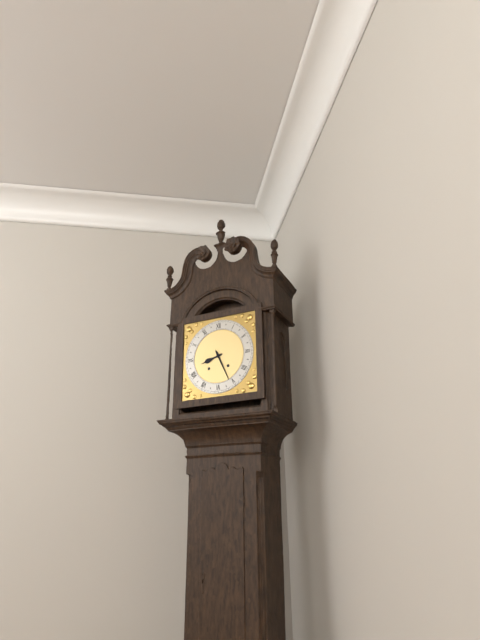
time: 8:26
